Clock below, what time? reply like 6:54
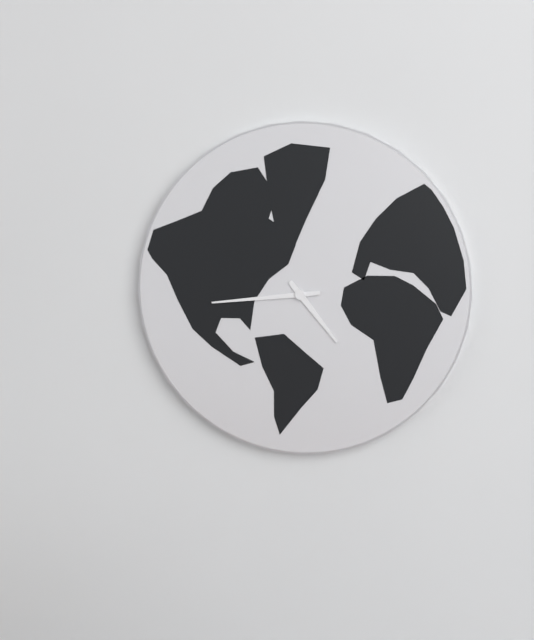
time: 4:44
